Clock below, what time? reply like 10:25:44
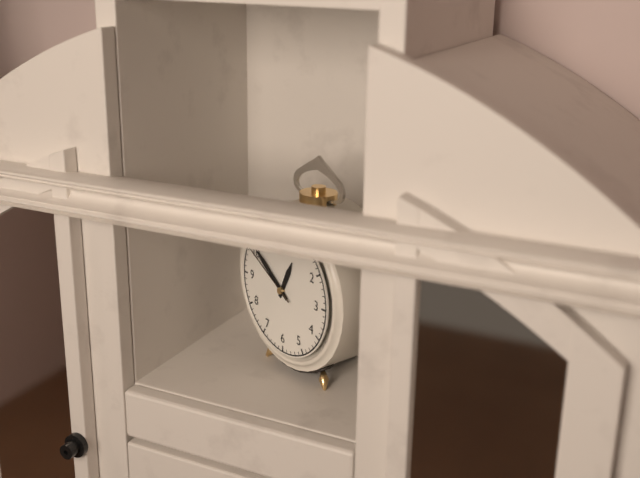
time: 12:51:50
